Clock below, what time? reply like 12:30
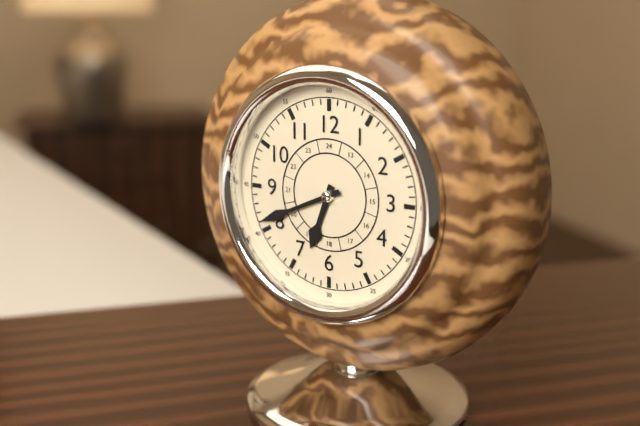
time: 6:41
